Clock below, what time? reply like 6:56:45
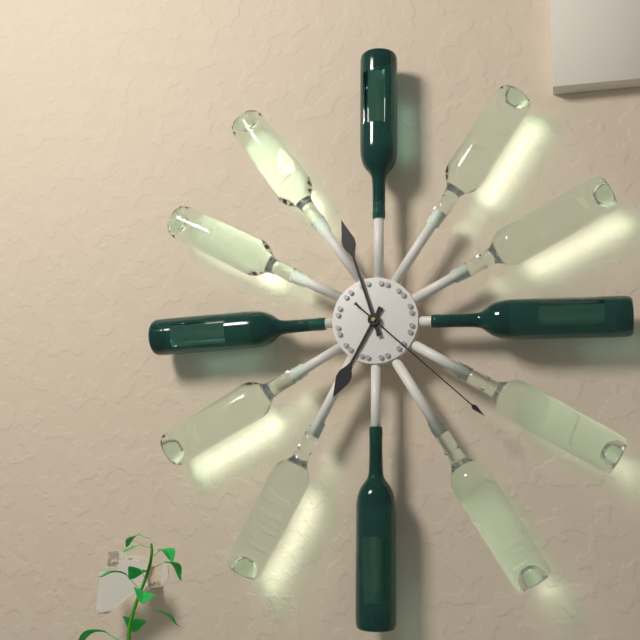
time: 6:57:22
